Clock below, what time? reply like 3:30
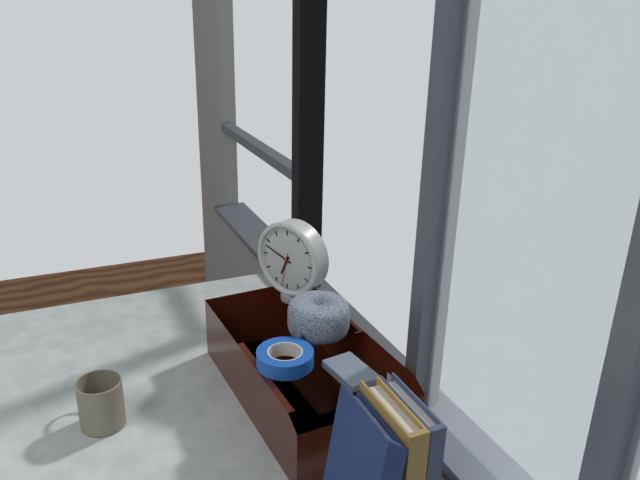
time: 6:48
